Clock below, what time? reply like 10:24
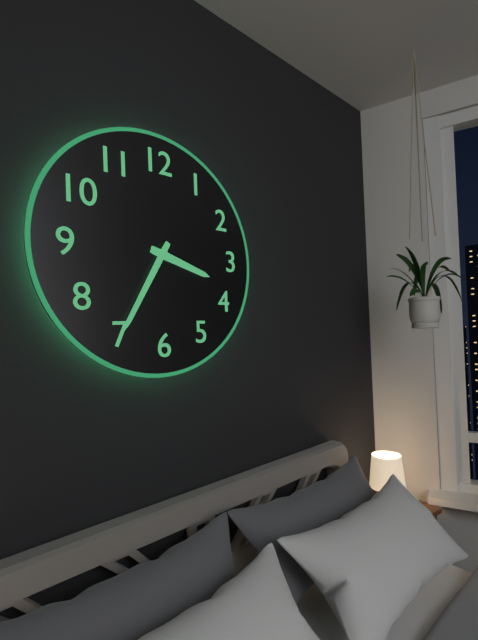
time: 3:35
